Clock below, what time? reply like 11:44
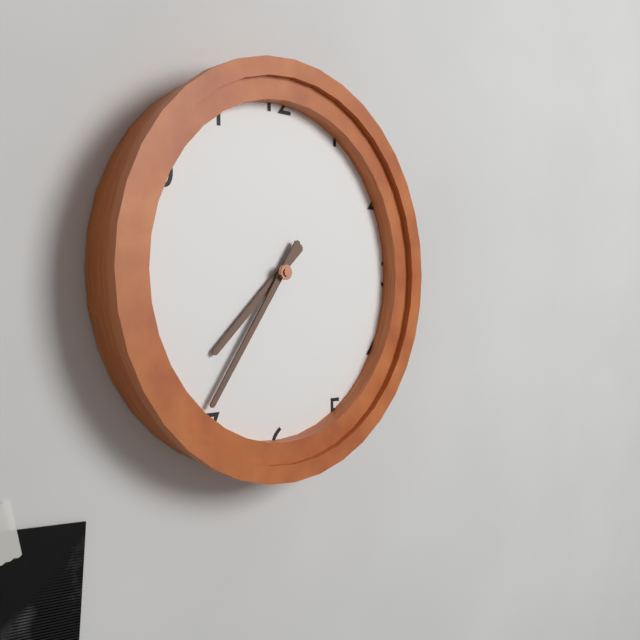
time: 7:36
